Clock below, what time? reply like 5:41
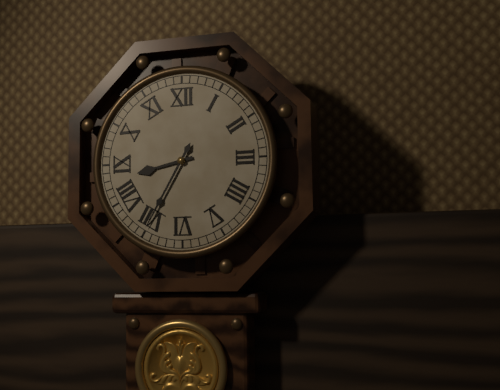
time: 8:35
